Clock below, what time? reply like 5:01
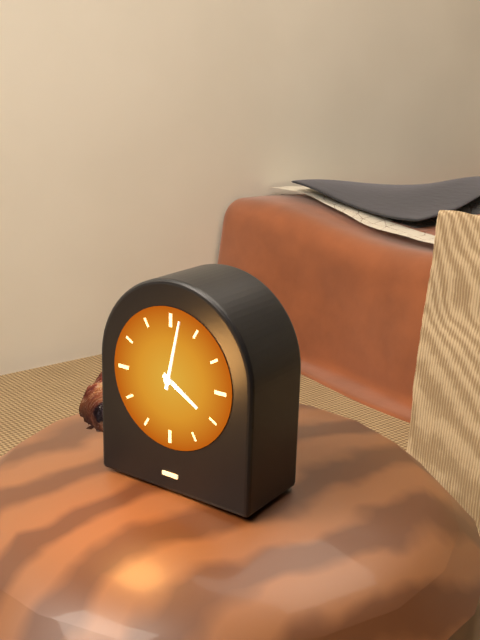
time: 4:02
